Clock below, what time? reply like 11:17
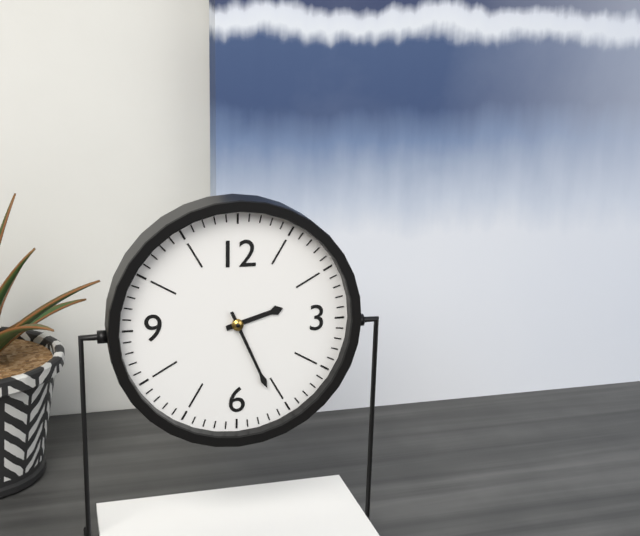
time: 2:26
